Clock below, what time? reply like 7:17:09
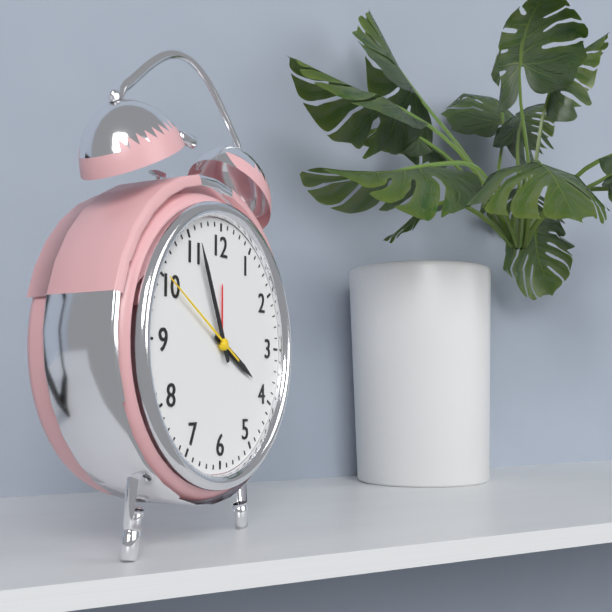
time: 3:56:50
